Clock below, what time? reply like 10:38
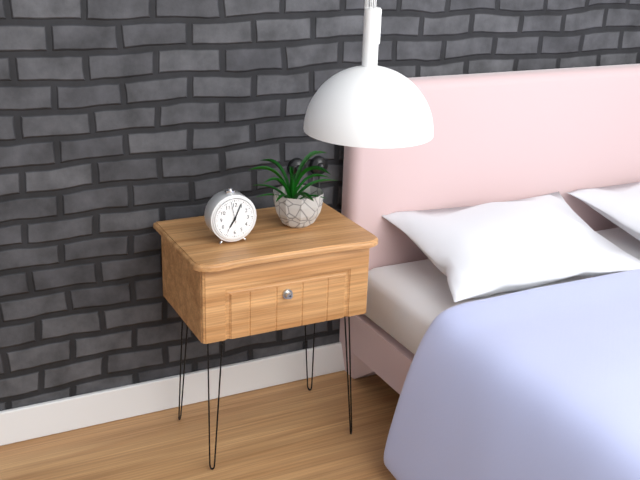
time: 7:04
